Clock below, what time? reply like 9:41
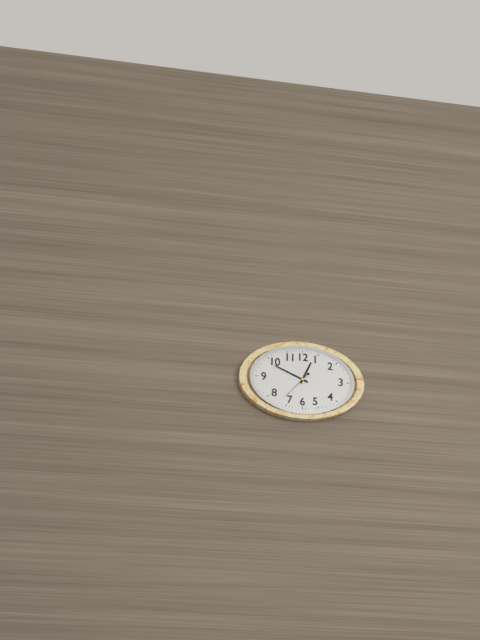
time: 12:49
